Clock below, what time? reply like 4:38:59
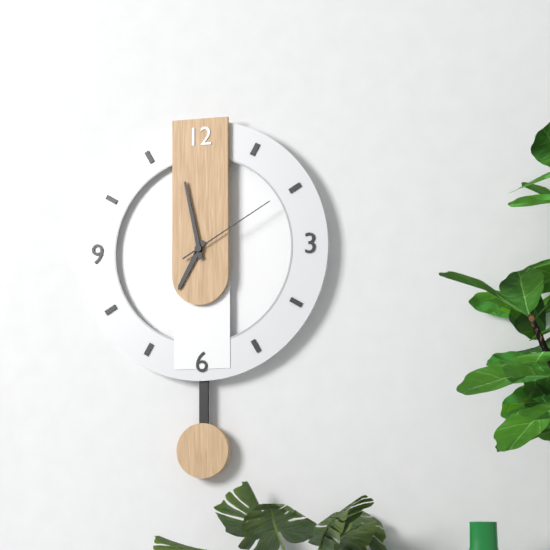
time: 6:58:10
